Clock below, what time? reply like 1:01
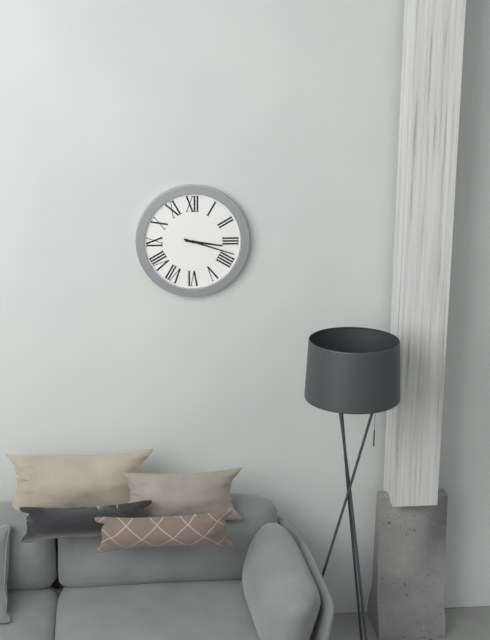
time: 3:18
